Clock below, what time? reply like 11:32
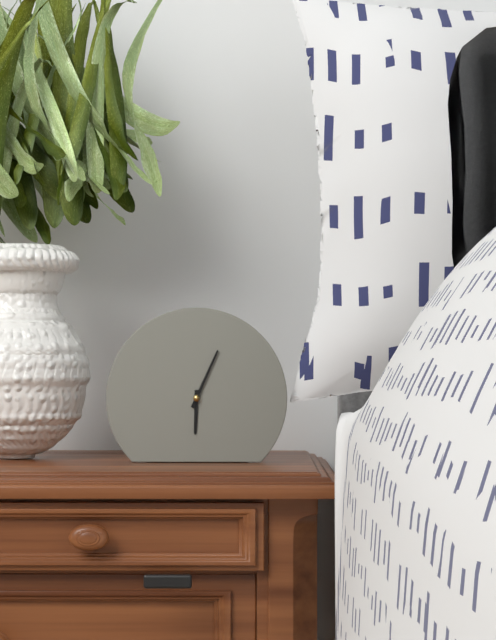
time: 6:04
